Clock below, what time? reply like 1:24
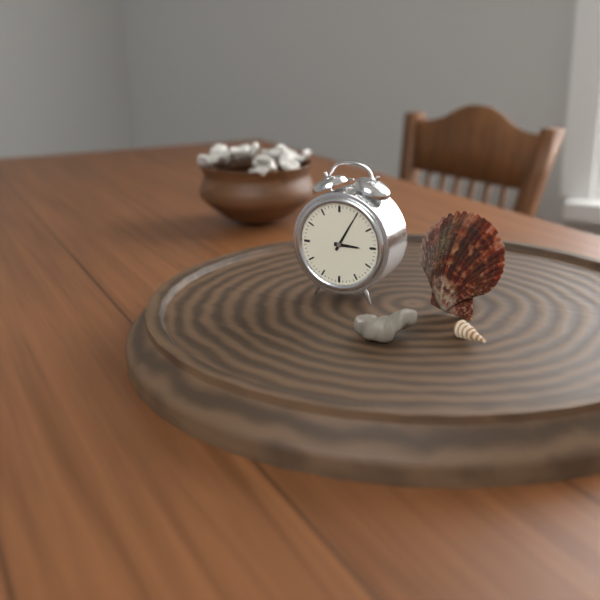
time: 3:05
